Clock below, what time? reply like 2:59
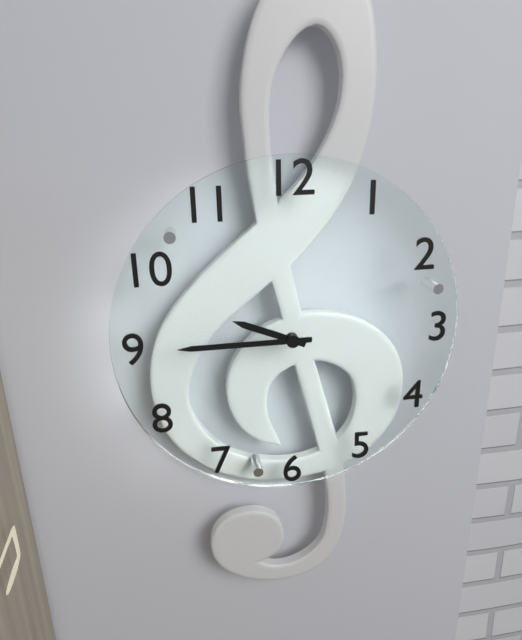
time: 9:45
